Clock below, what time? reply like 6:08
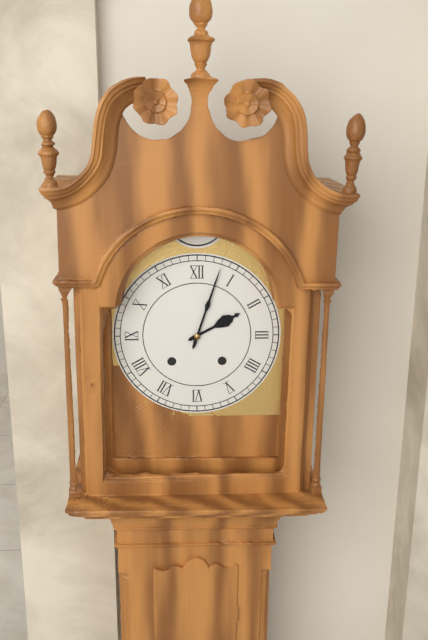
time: 2:03
